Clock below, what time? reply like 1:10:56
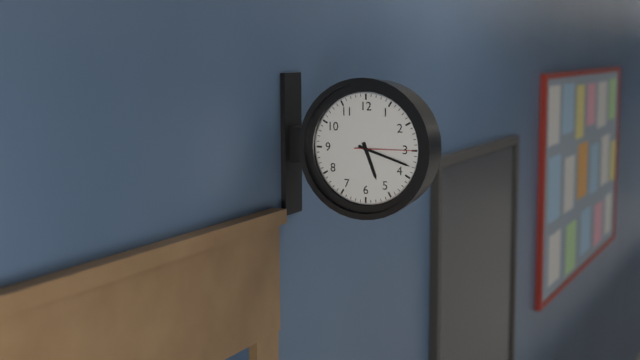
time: 5:18:15
